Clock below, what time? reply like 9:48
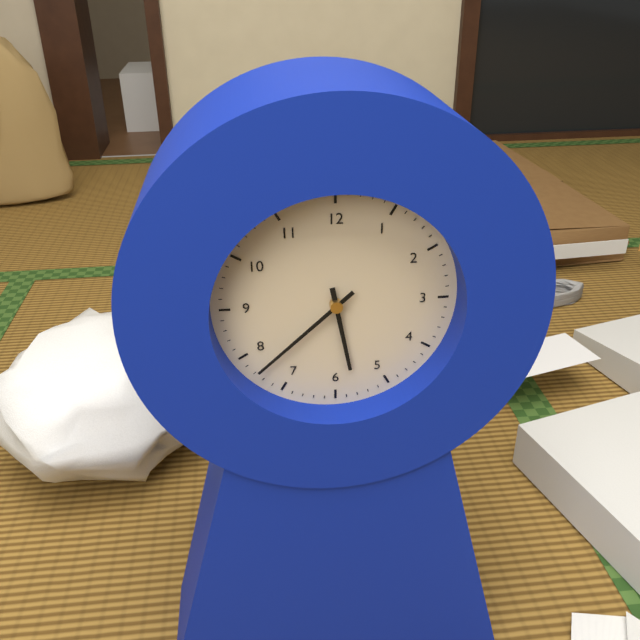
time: 5:38
